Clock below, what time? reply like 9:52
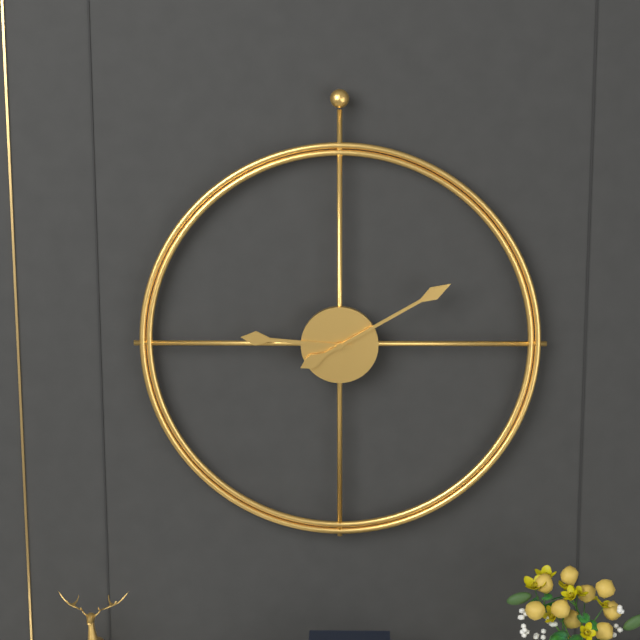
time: 9:10
